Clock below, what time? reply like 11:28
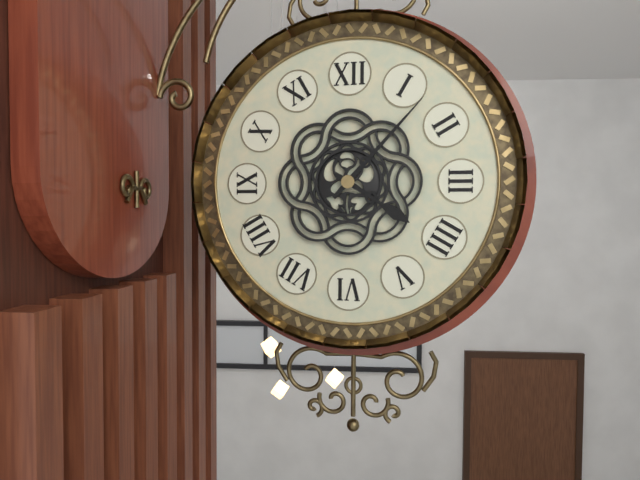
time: 4:07
